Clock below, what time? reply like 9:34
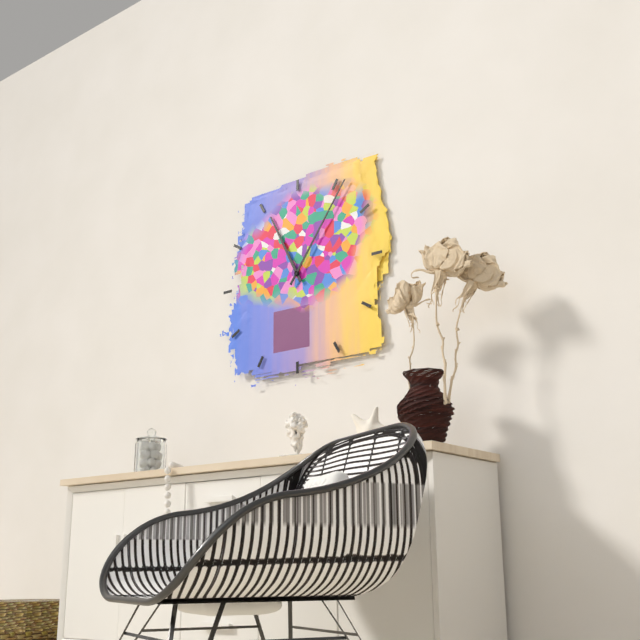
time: 11:06
